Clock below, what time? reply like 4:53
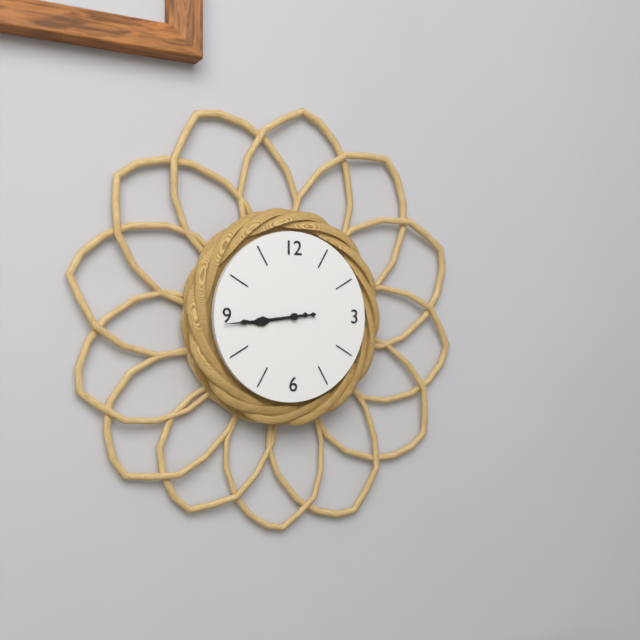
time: 8:44
